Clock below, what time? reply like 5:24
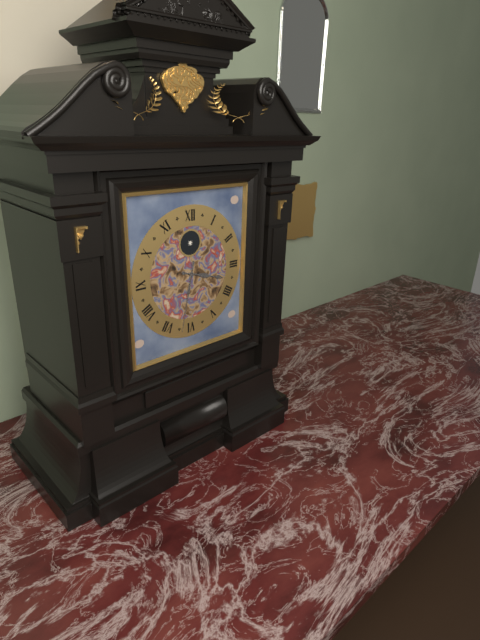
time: 3:32
